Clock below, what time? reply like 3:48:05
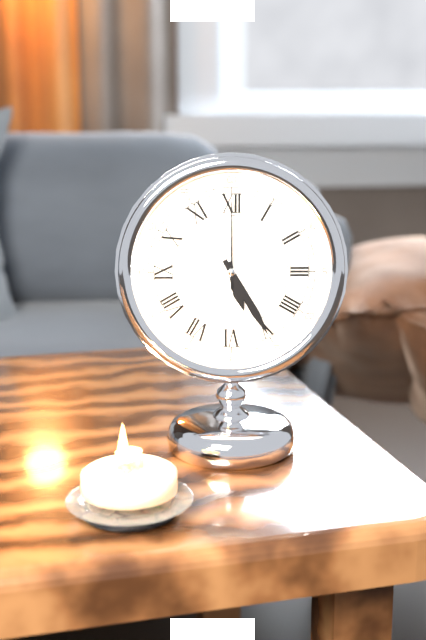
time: 5:25:00
